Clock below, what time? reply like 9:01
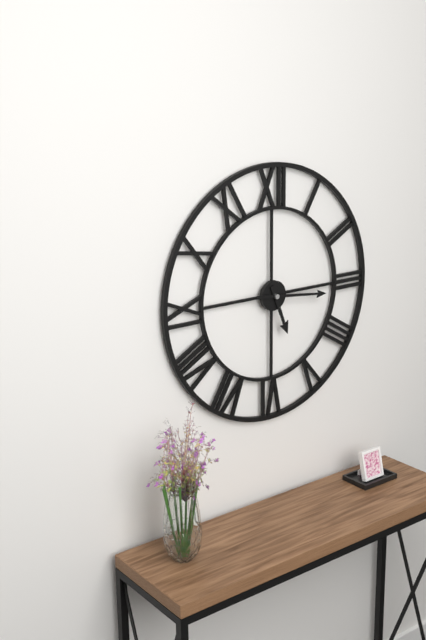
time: 5:16
